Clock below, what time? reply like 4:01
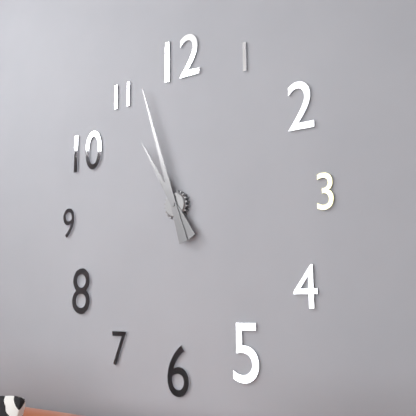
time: 10:57
